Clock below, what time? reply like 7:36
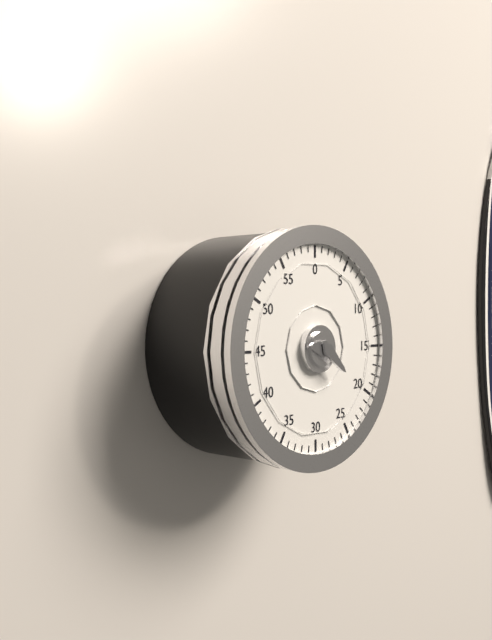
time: 9:22
